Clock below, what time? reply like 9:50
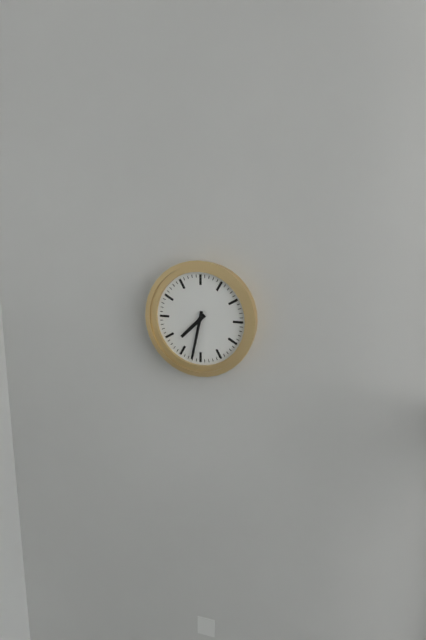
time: 7:32
